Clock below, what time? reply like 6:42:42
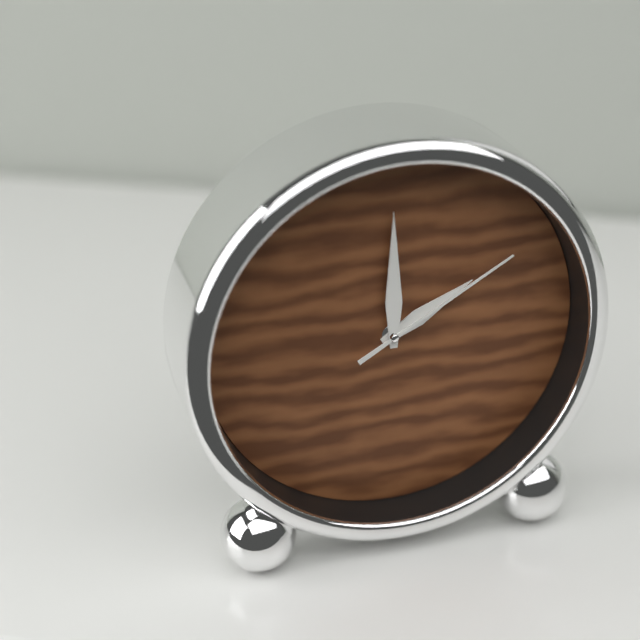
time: 2:00:10
